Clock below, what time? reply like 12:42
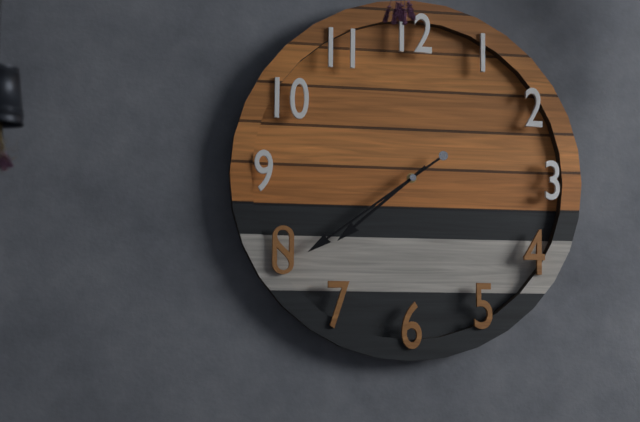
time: 7:39
